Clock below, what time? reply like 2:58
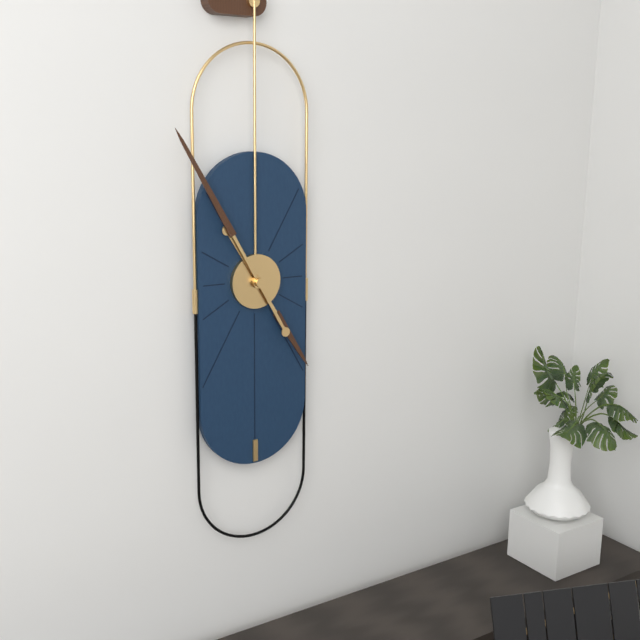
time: 4:55
